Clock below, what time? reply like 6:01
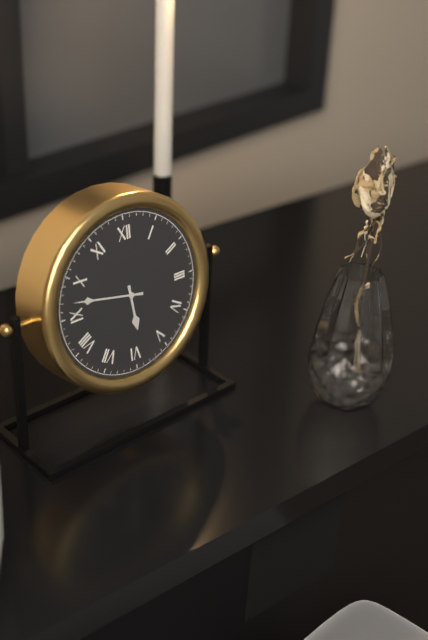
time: 5:47
